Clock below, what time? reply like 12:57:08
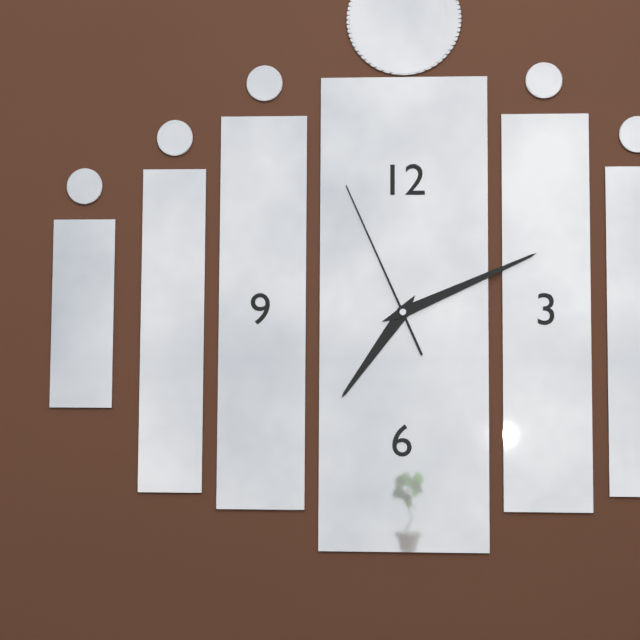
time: 7:11:56
